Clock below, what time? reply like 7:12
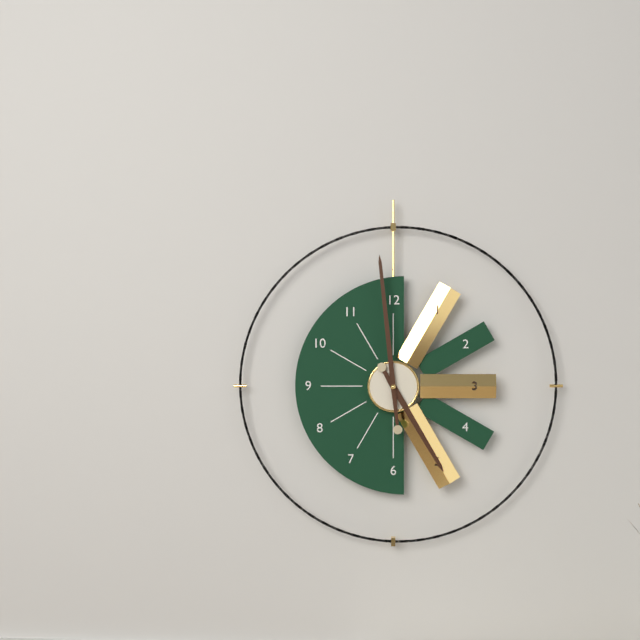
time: 4:59
